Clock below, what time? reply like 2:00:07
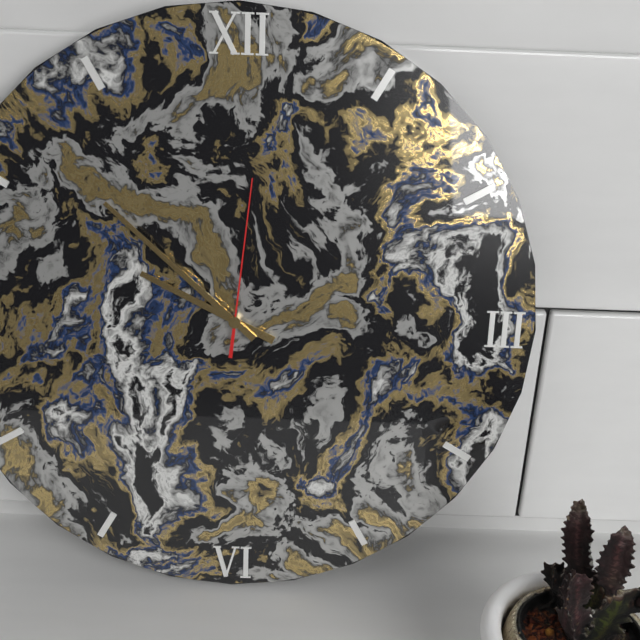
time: 9:52:01
